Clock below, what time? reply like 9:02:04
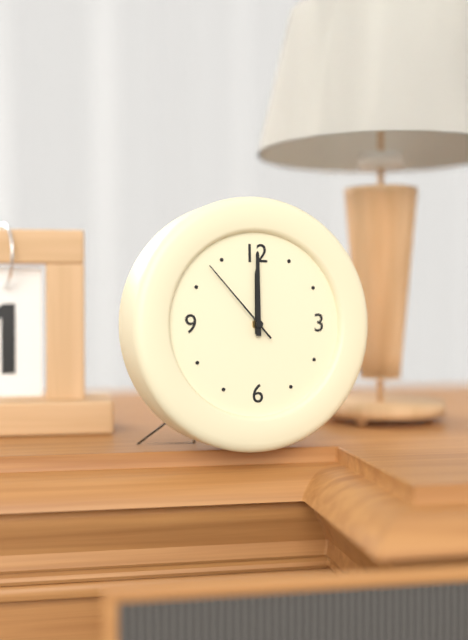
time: 12:00:53
